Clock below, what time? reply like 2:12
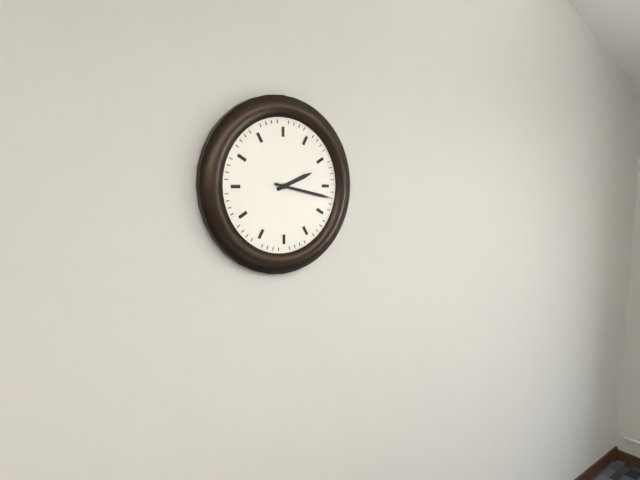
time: 2:17
